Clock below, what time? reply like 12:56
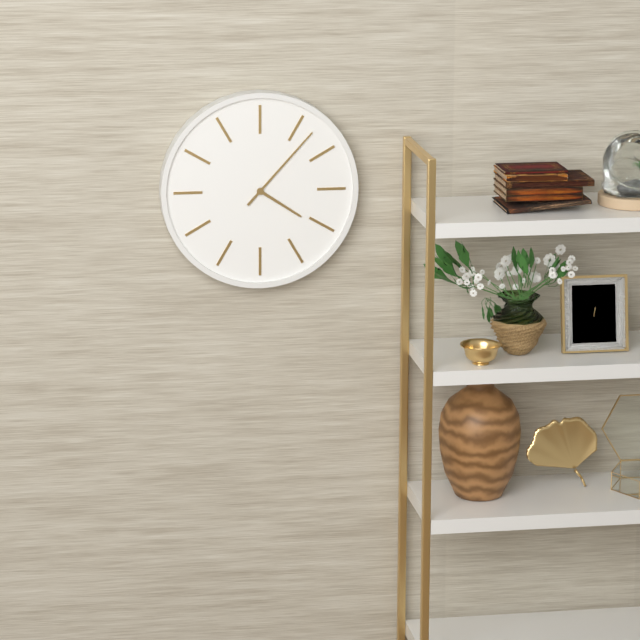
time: 4:07
